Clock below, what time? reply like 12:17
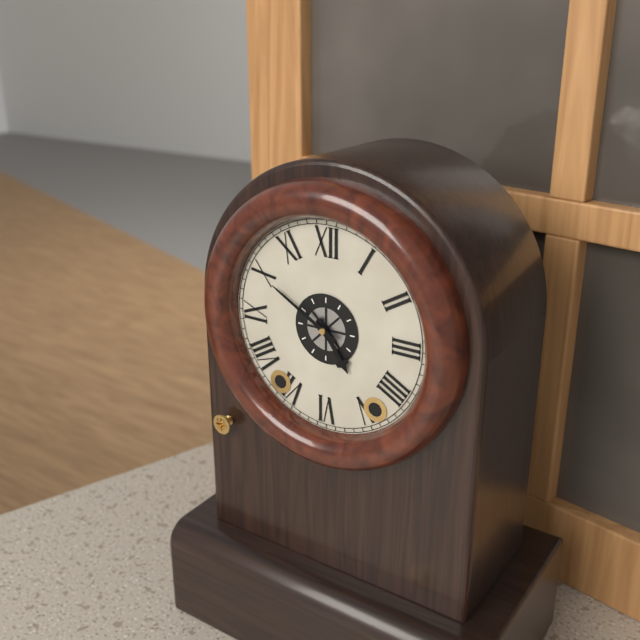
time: 4:50
